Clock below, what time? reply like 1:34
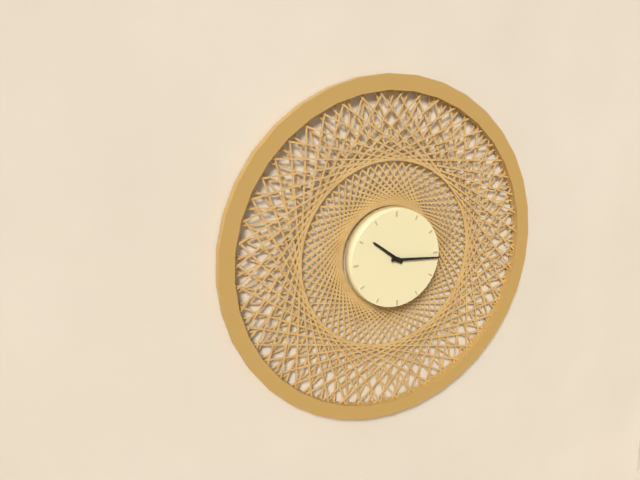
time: 10:16
